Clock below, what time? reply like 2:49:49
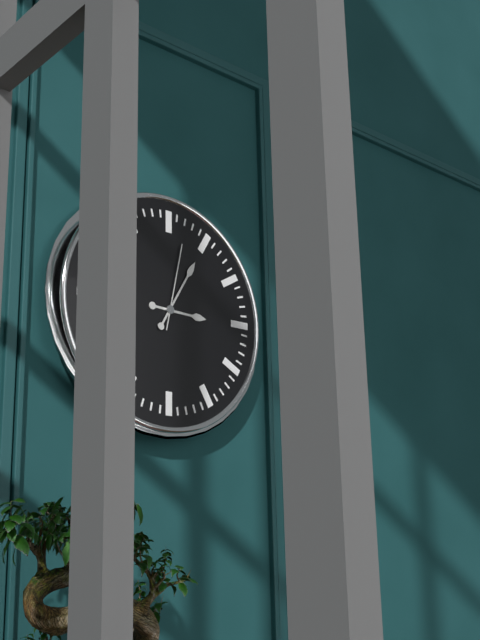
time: 3:05:02
